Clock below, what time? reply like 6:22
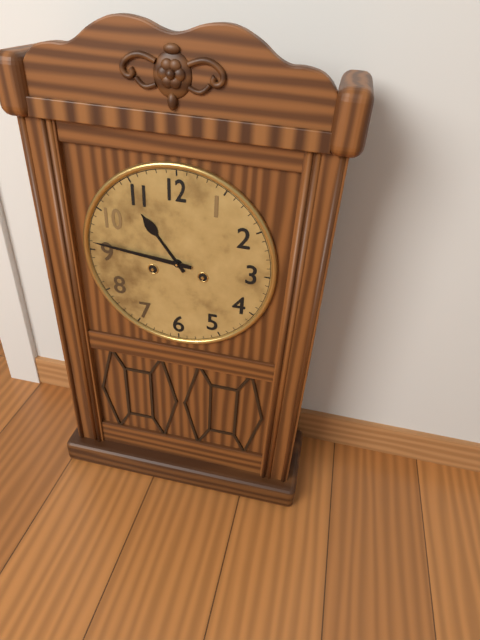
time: 10:46
